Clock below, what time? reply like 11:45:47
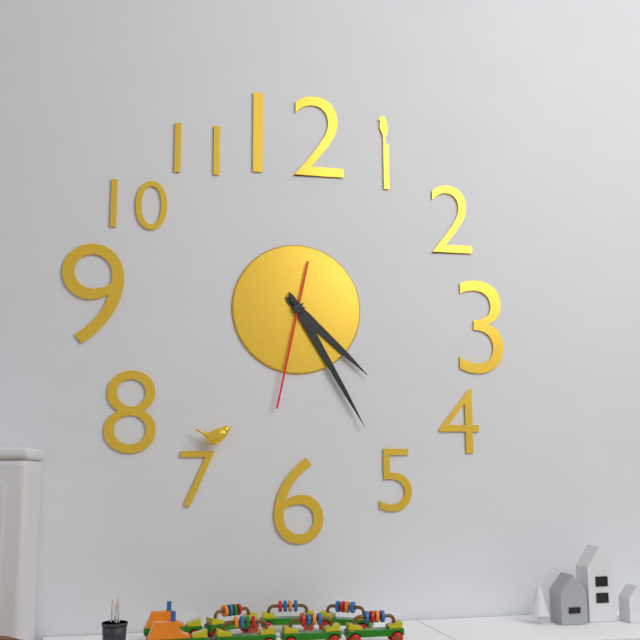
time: 4:25:32
